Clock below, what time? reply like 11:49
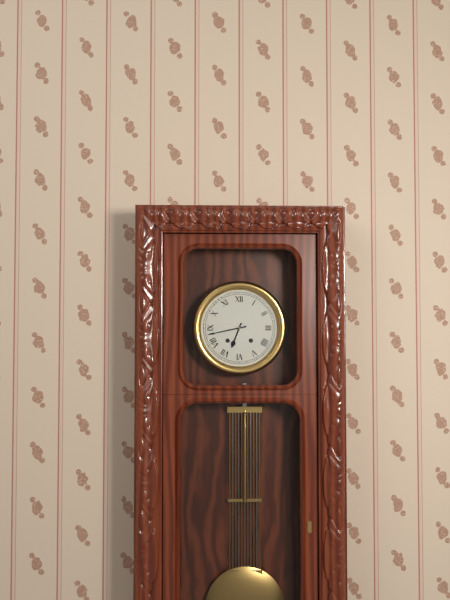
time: 6:43
